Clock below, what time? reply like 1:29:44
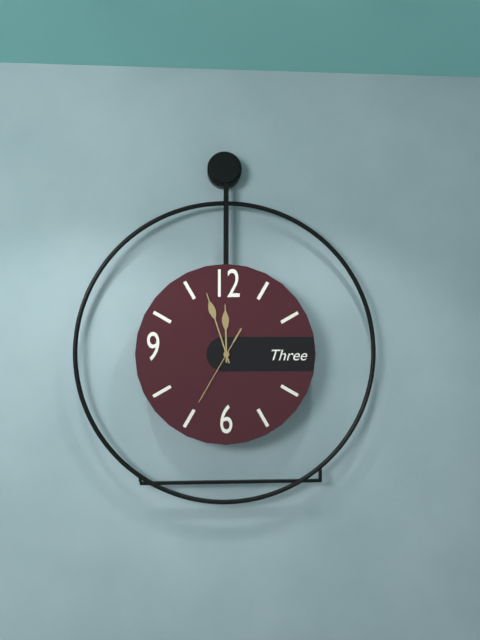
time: 11:57:35
